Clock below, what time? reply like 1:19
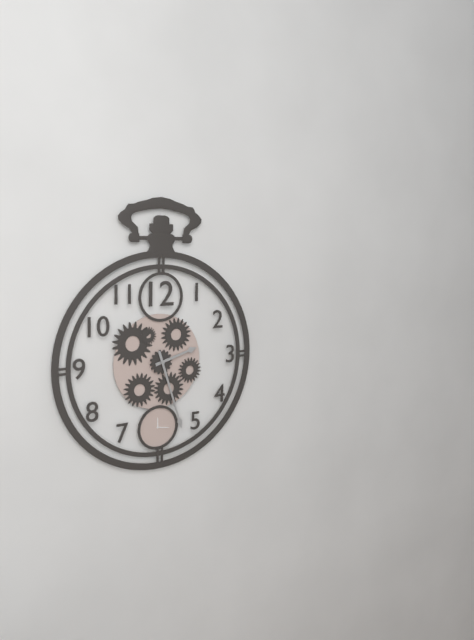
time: 2:27
